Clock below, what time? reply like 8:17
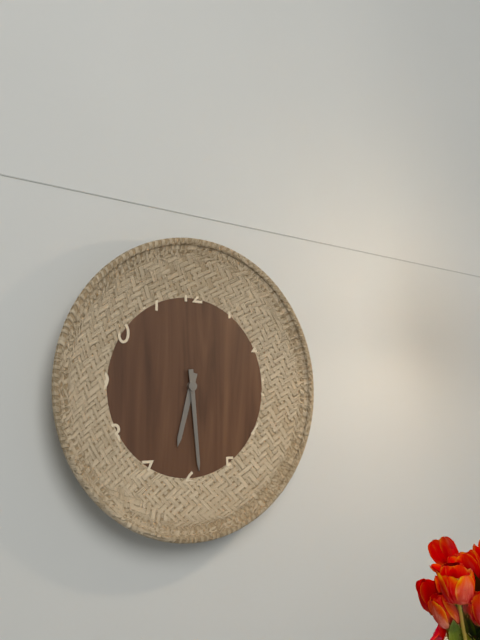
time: 6:29
